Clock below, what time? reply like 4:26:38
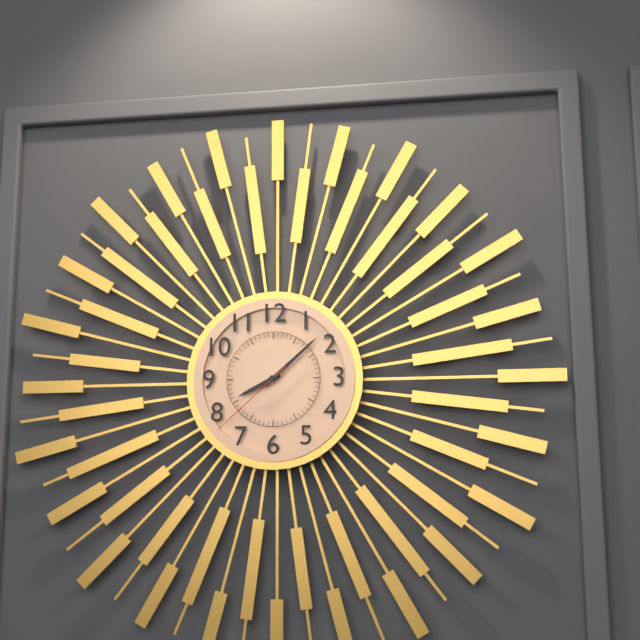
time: 8:08:38
